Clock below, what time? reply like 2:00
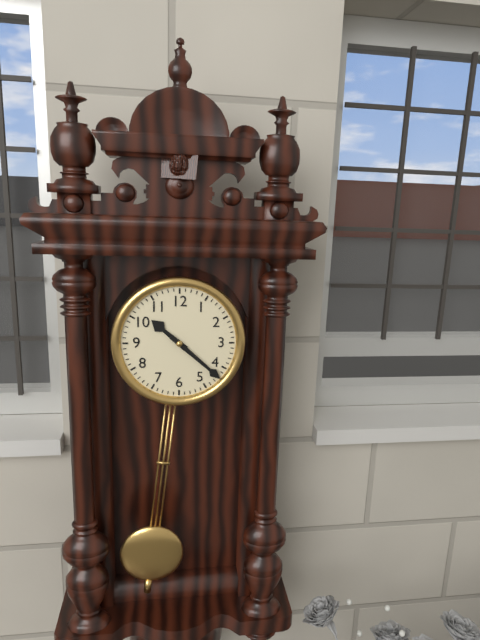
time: 10:22
